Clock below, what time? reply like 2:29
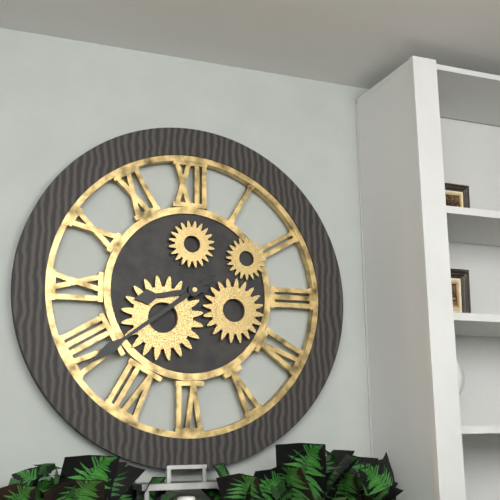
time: 8:39
